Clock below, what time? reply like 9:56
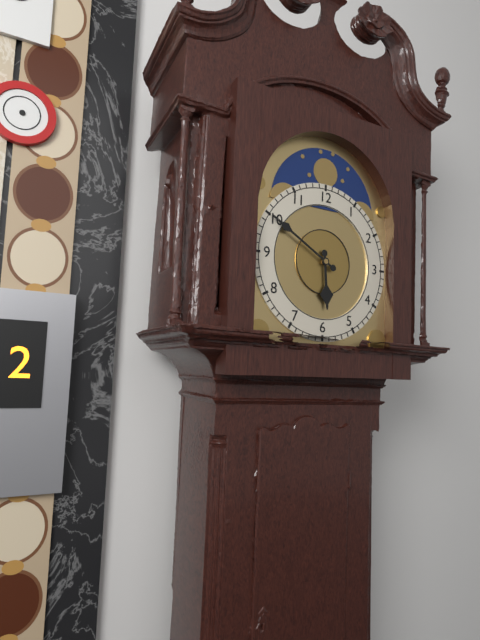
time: 5:50
